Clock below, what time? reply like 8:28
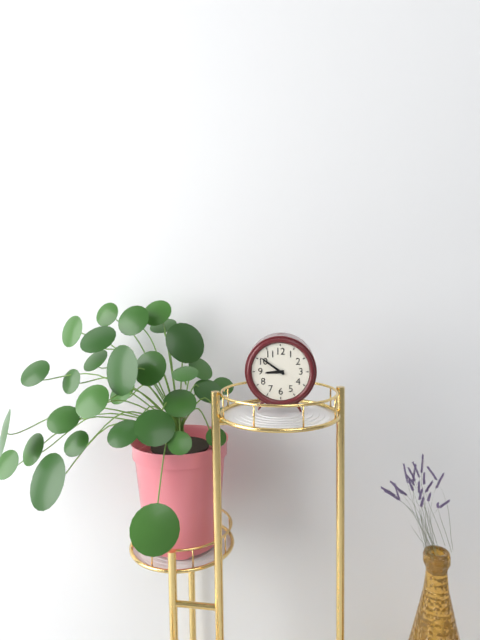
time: 8:51
